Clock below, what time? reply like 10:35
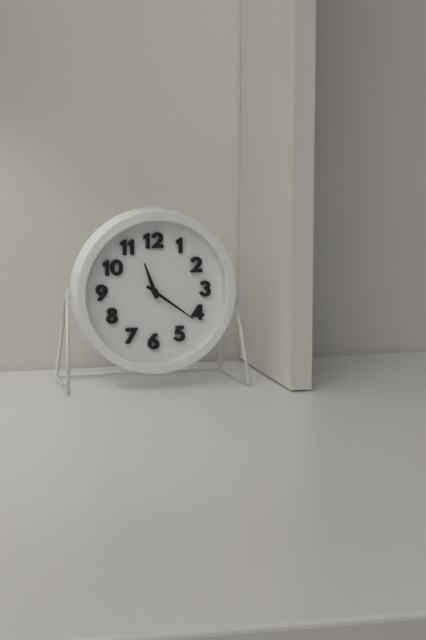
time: 11:21
